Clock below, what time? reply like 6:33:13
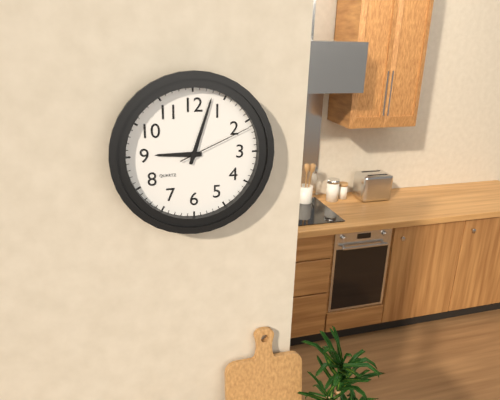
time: 9:03:11
